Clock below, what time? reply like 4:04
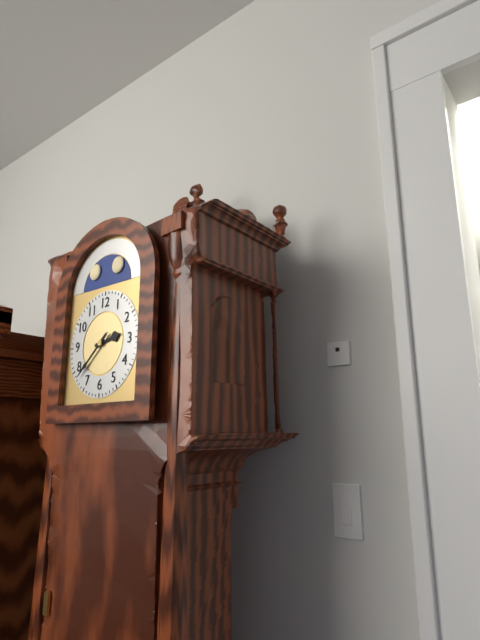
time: 2:38
